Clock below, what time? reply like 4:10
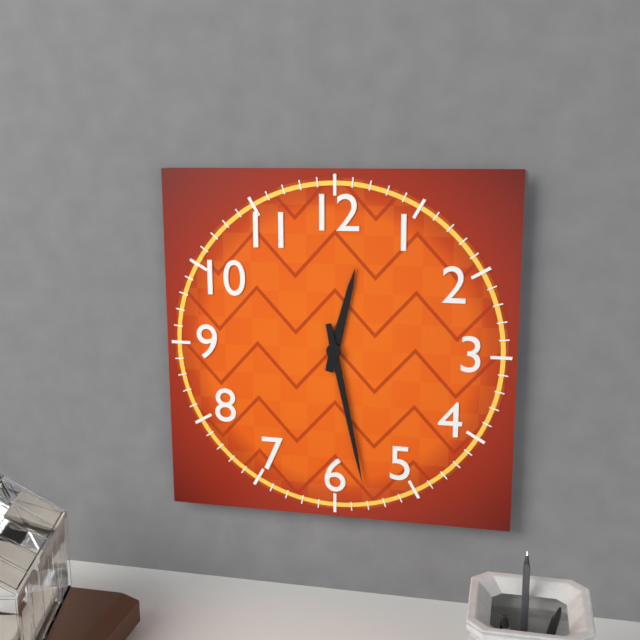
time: 12:28
